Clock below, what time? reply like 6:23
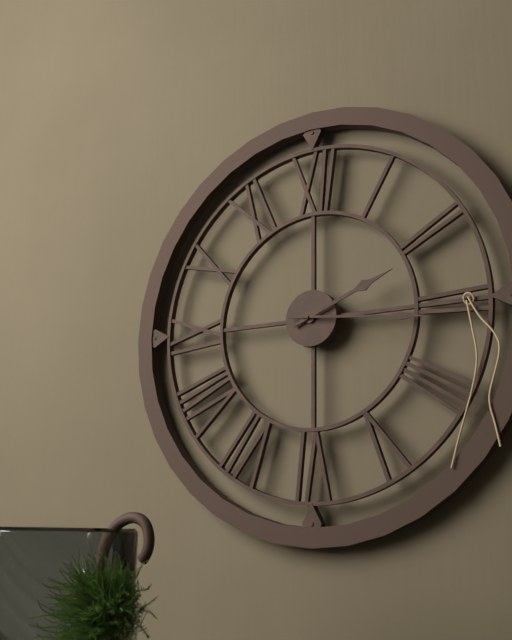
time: 2:16
